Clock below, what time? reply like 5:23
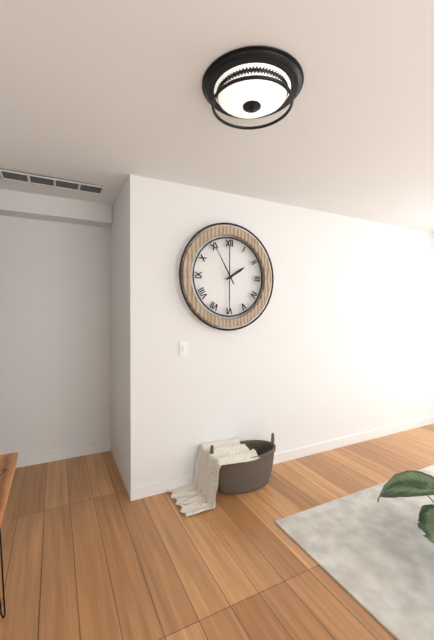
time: 1:55
